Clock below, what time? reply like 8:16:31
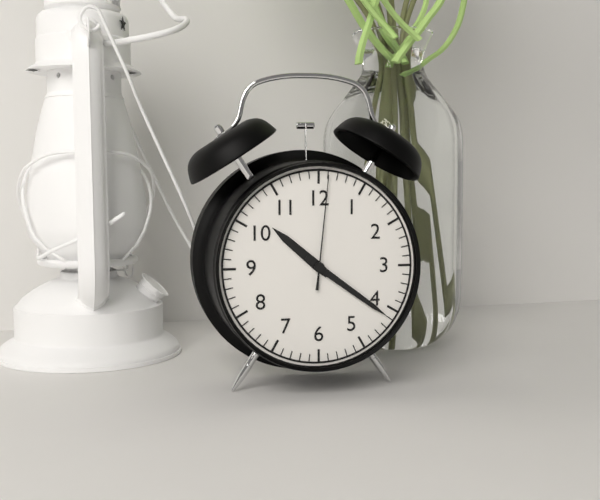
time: 10:21:01
